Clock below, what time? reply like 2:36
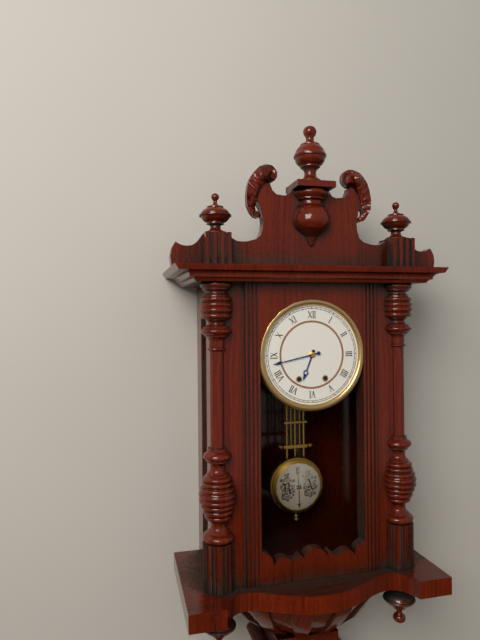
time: 6:43
